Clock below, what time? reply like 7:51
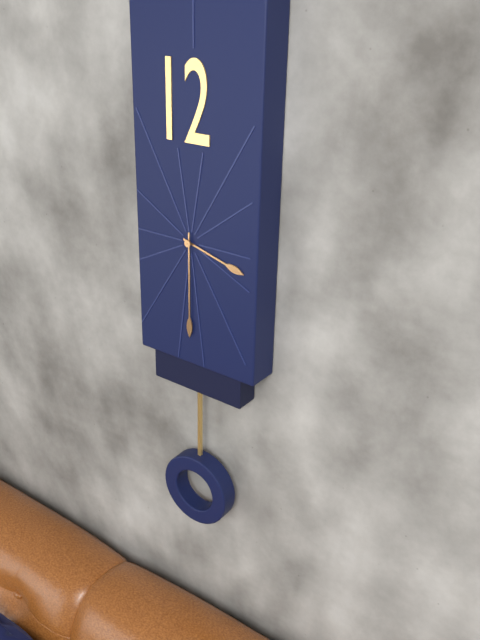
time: 3:30
